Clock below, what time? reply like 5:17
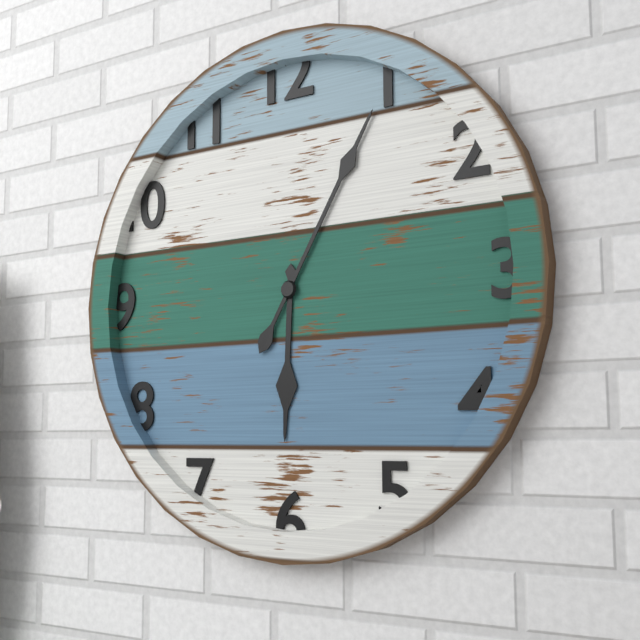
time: 6:05
